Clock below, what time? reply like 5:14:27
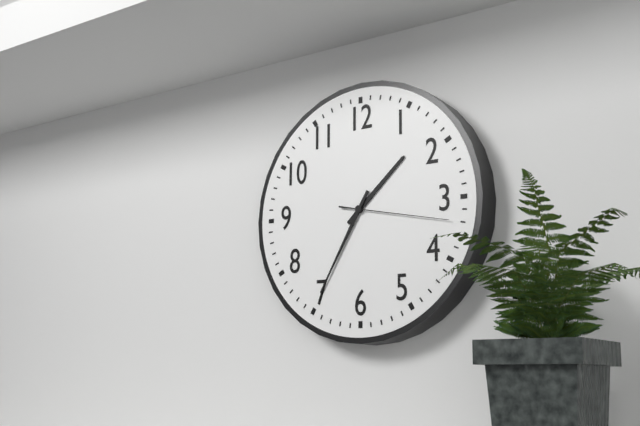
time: 1:35:17
